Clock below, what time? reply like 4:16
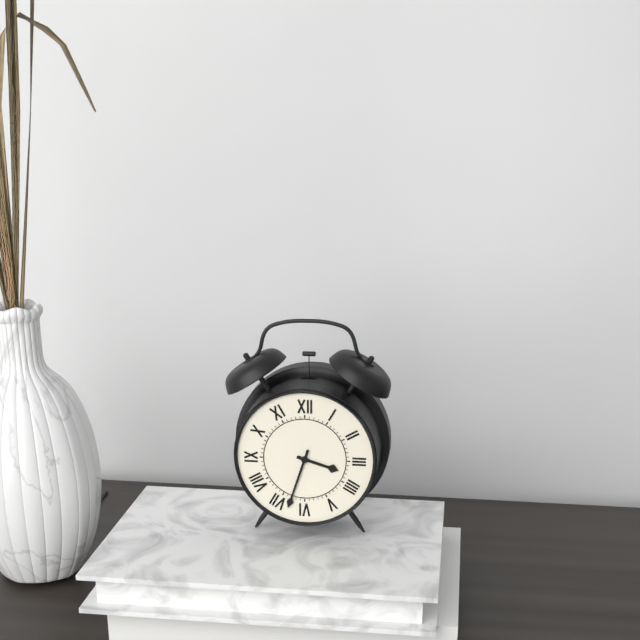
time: 3:33
